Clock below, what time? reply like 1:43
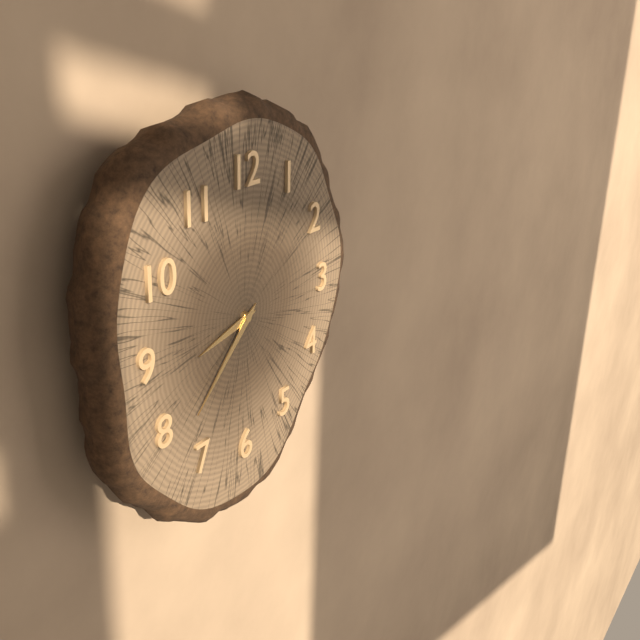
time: 8:38
